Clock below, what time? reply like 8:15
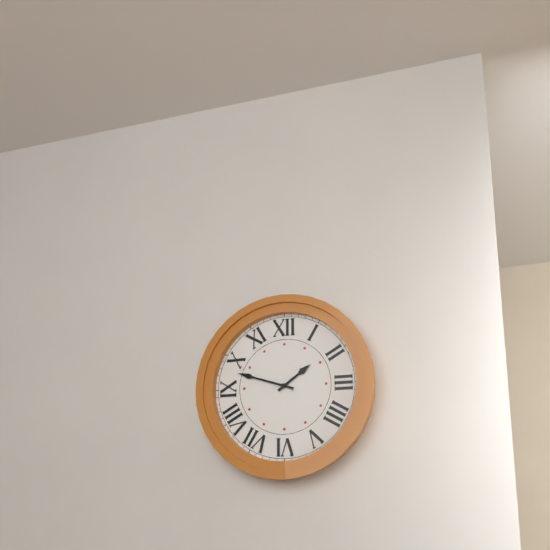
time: 1:48
